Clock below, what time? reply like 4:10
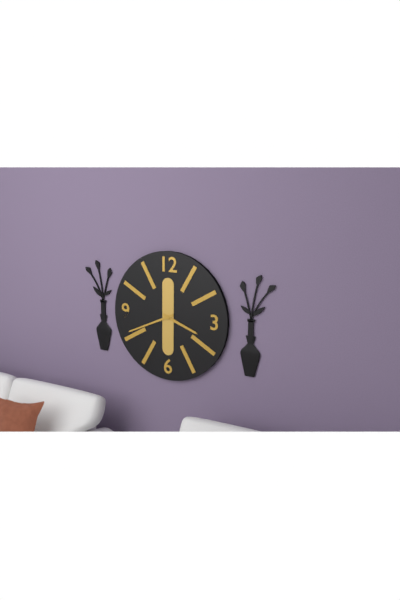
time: 3:41
